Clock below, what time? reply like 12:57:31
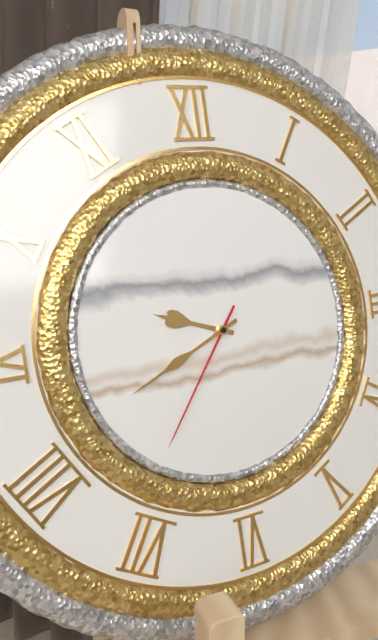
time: 9:41:36
